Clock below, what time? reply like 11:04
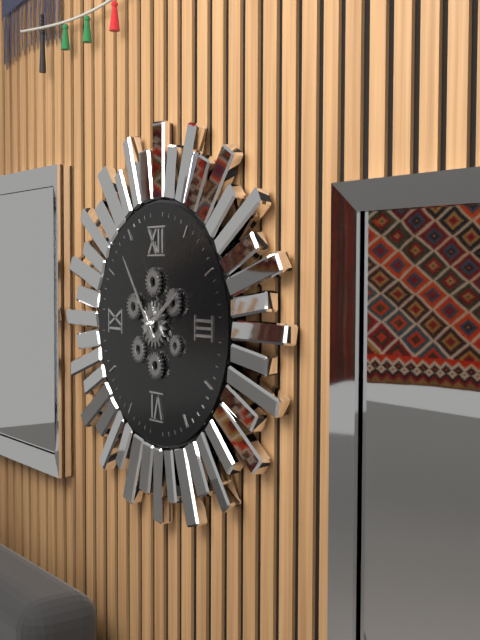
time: 1:54
